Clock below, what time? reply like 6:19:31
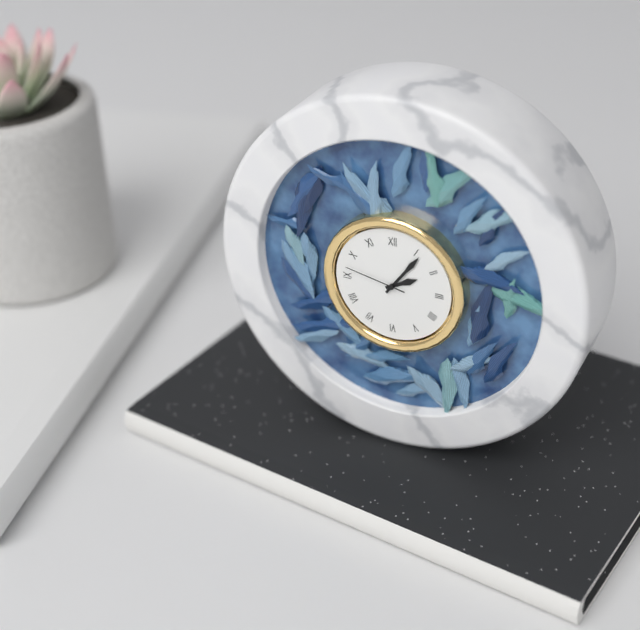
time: 2:06:47
